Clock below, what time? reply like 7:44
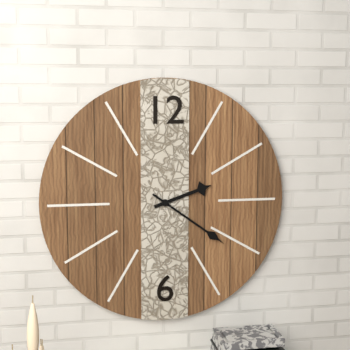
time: 2:21
